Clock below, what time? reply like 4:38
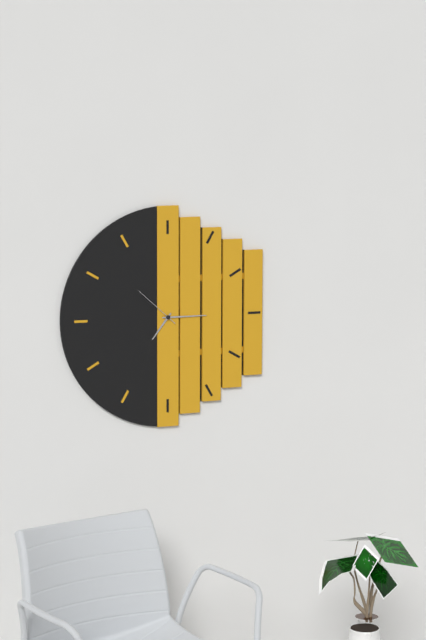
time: 7:15
